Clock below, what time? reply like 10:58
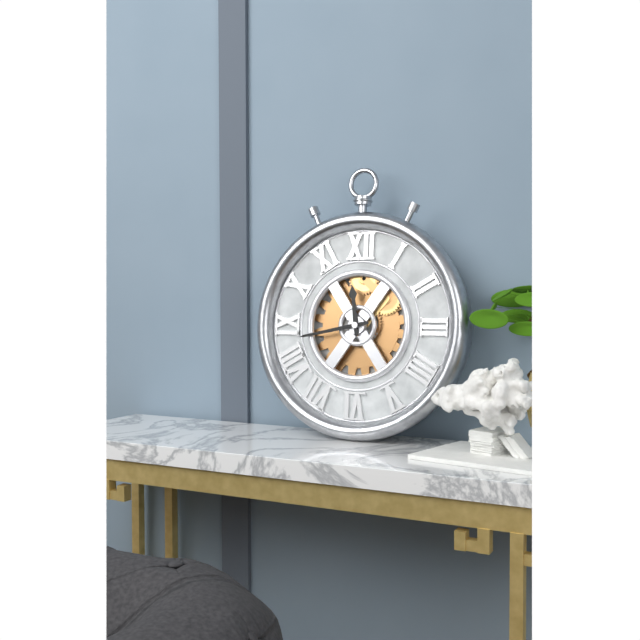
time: 11:43
